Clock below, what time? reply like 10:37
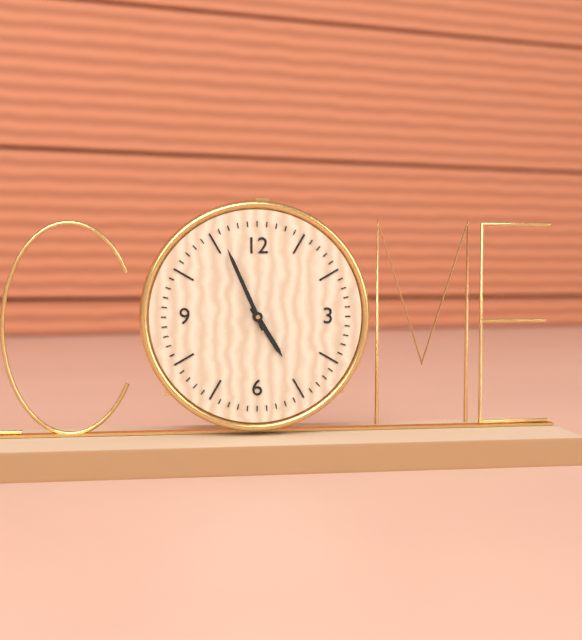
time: 4:56
